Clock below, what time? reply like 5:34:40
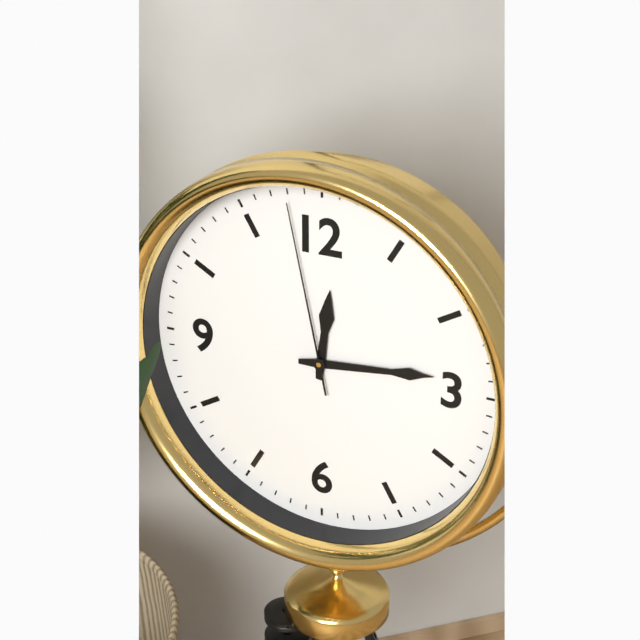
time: 12:14:58
